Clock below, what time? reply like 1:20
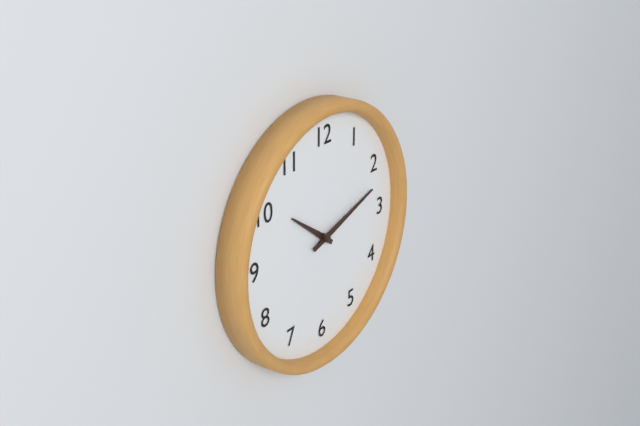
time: 10:12
